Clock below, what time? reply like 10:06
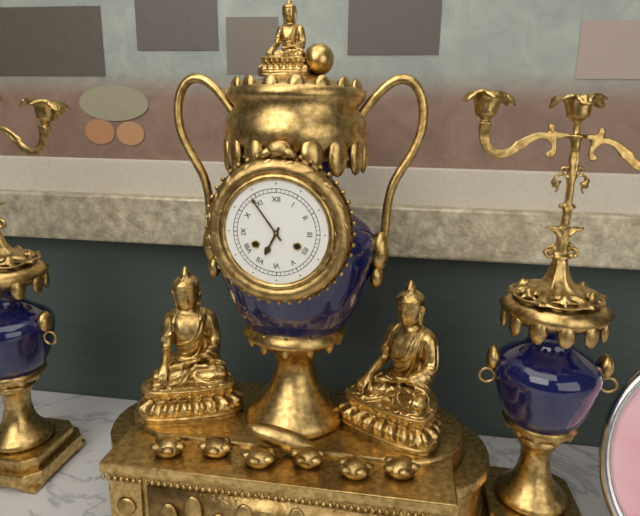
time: 6:54
